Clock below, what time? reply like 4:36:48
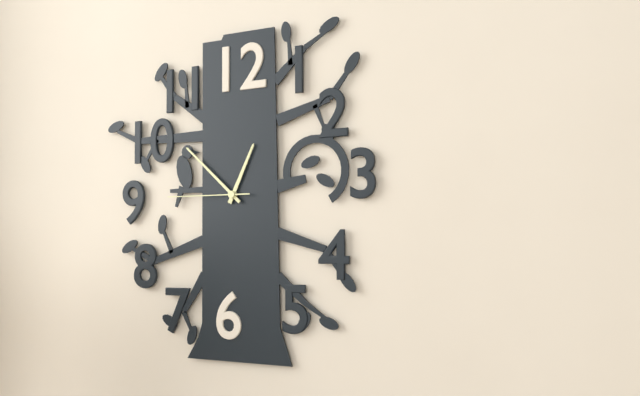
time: 12:52:45
